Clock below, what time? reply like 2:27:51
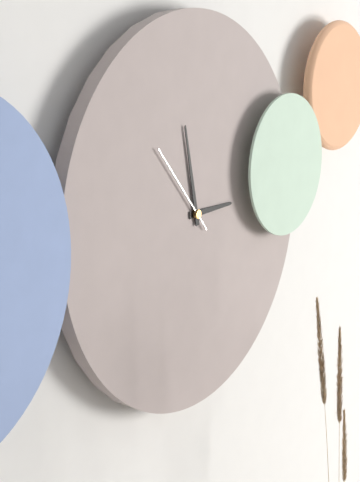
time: 2:58:53
